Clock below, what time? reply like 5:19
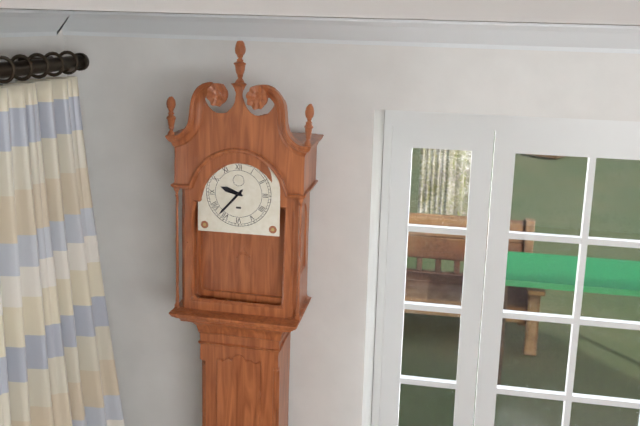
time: 9:37
